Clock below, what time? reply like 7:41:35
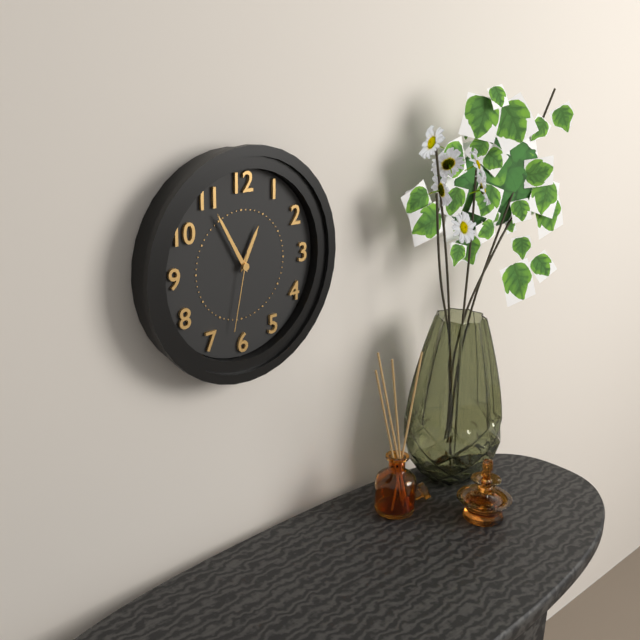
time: 12:55:32
